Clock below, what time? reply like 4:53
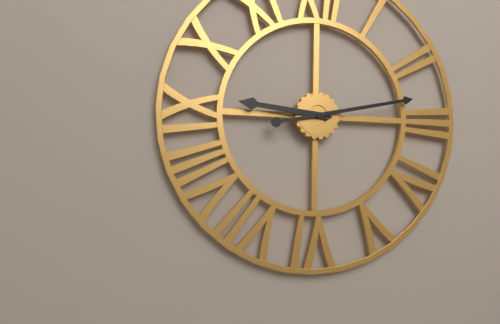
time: 9:13
